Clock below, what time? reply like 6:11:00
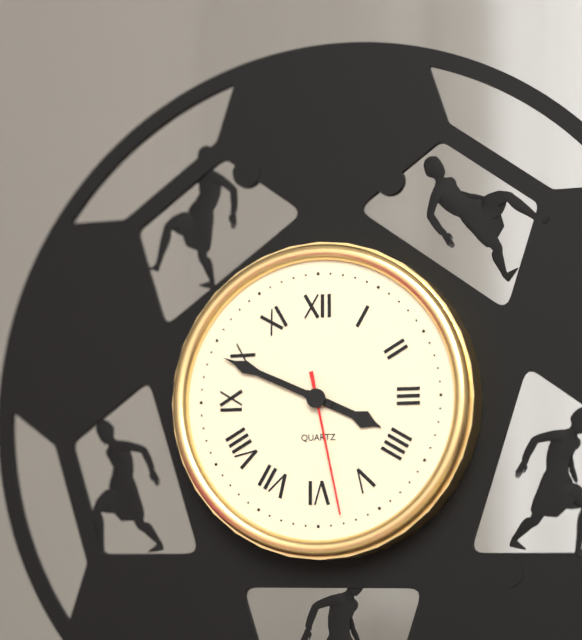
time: 3:49:28
